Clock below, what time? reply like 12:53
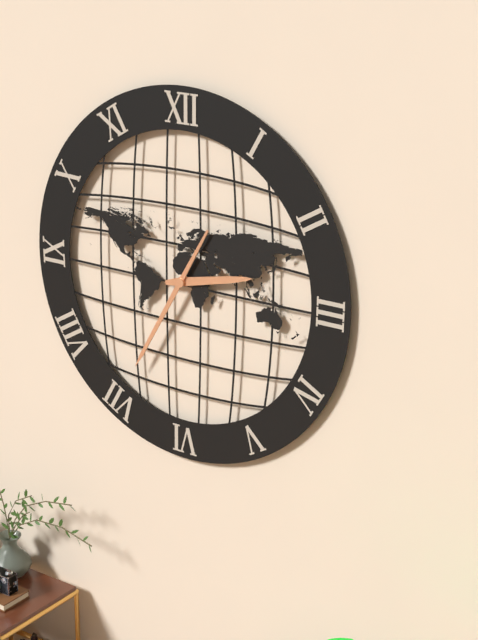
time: 2:35
